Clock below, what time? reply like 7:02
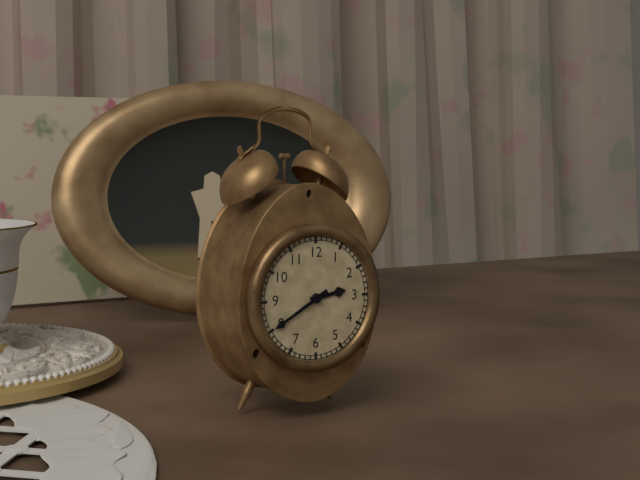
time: 2:40
